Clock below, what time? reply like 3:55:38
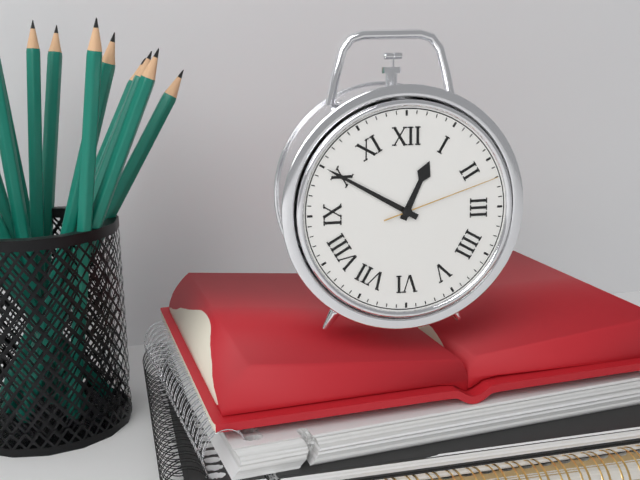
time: 12:50:12
